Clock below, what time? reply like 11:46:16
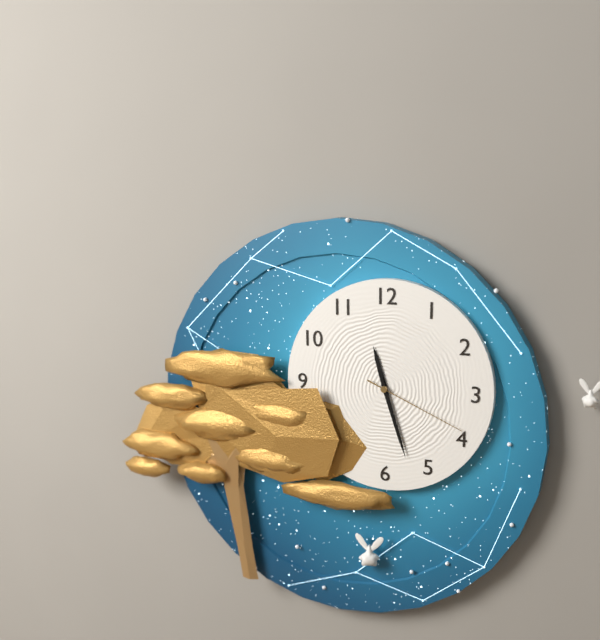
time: 11:27:19
